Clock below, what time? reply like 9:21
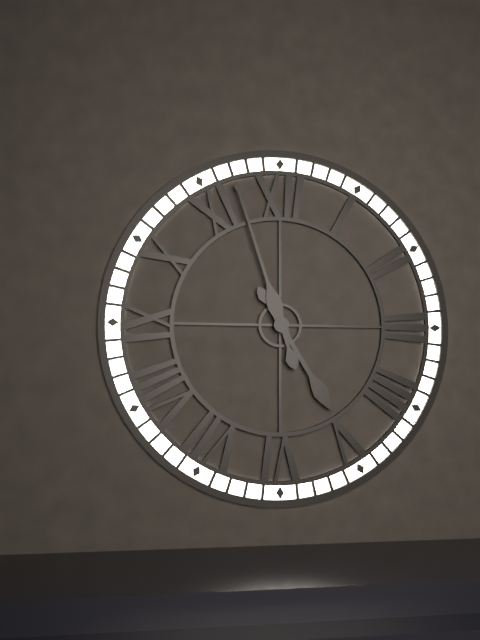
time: 4:57
